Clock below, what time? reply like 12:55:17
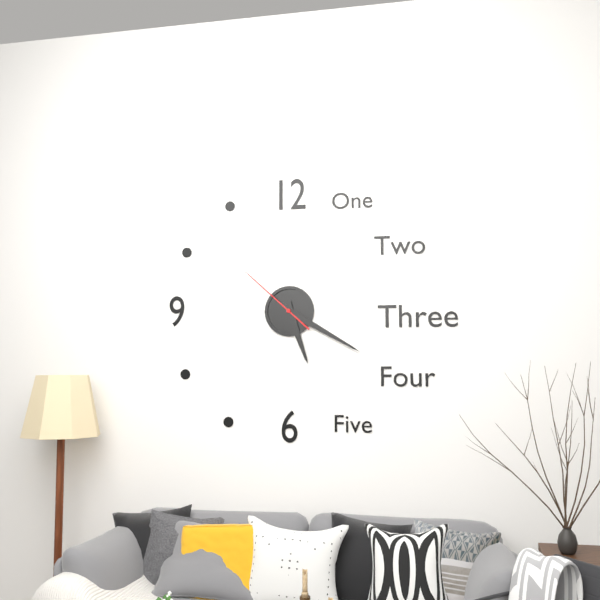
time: 5:20:52
